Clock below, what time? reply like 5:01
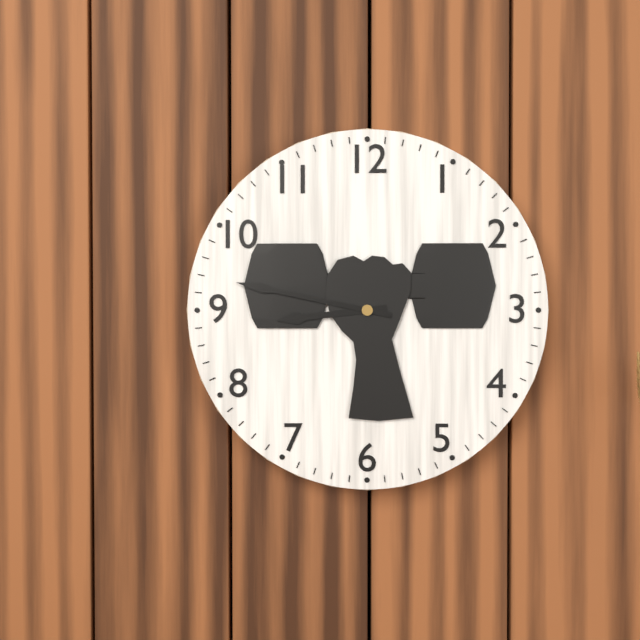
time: 8:47
